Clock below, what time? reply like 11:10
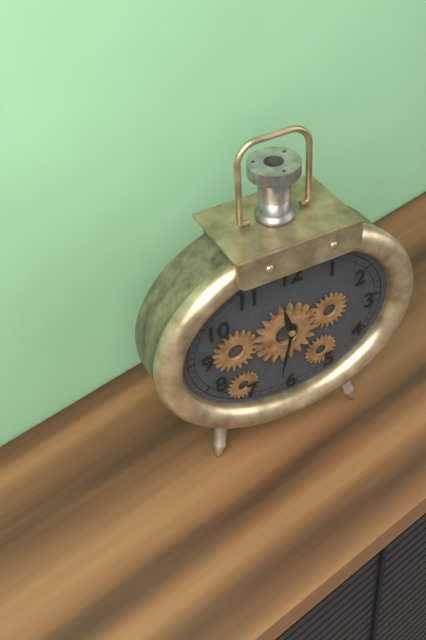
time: 11:32
